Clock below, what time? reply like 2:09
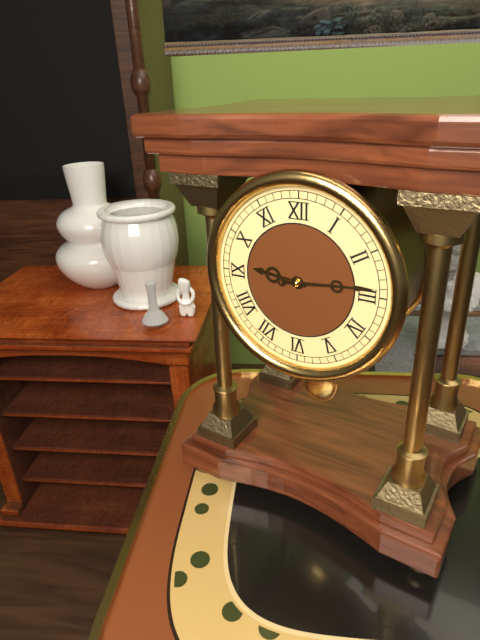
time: 9:14
